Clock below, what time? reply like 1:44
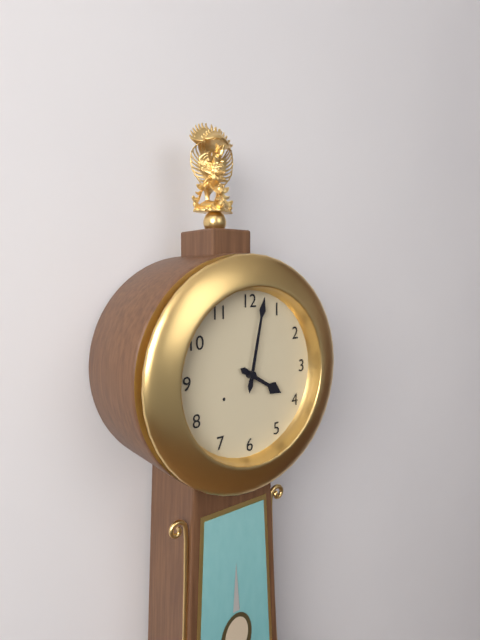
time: 4:02
